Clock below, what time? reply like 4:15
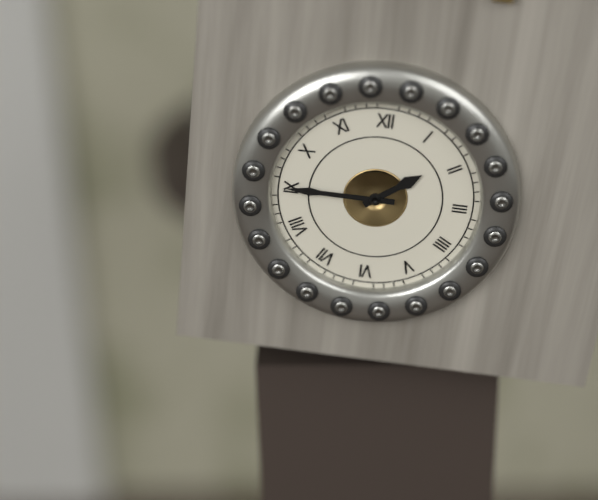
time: 1:45
